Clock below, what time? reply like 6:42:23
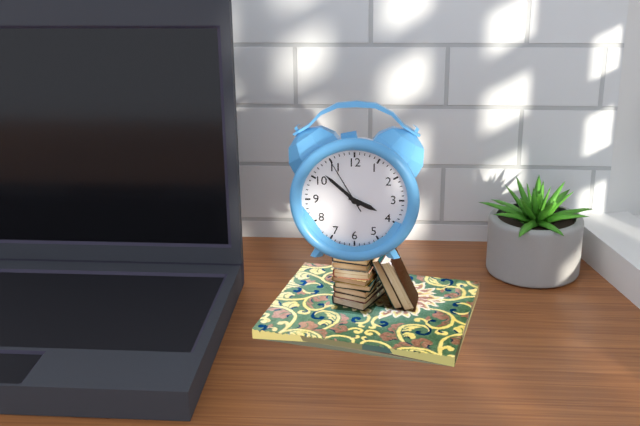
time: 3:52:55
